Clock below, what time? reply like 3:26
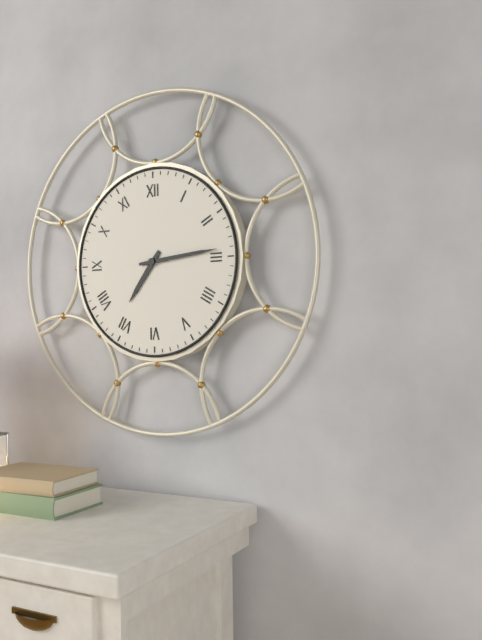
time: 7:14
